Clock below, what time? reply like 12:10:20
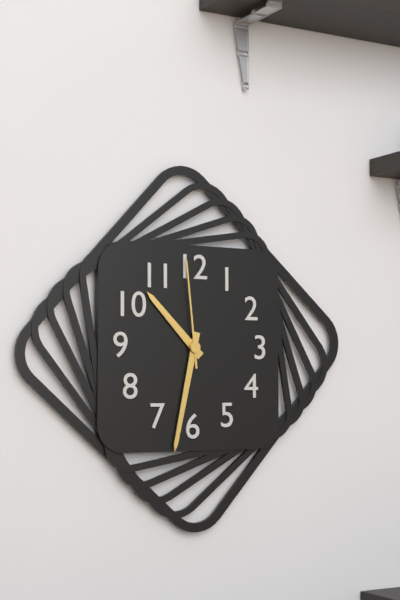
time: 10:32:59
